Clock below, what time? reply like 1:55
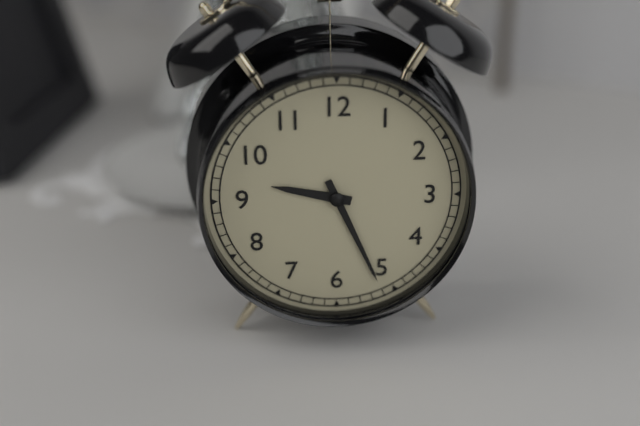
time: 9:26
